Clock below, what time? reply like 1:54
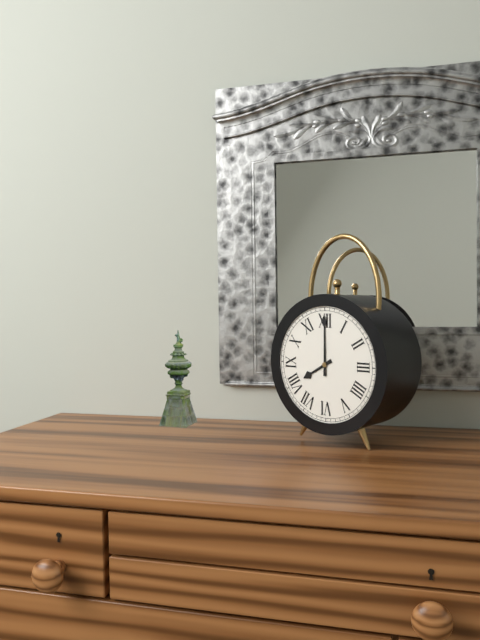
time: 8:00
